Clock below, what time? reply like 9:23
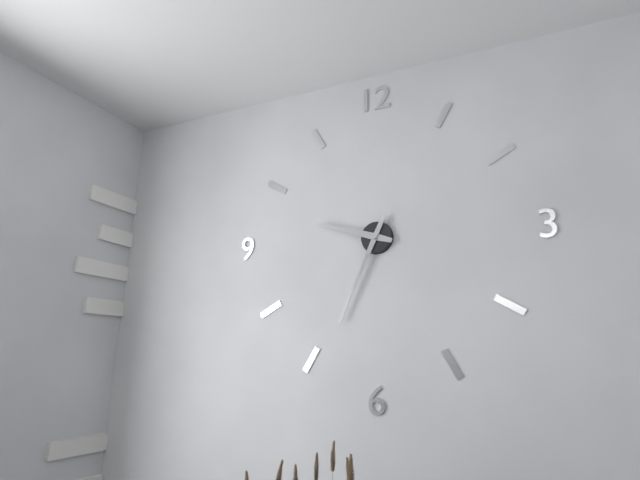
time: 9:34
